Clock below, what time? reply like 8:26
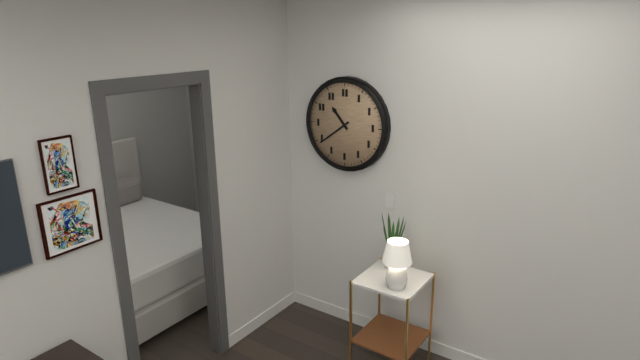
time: 10:39
